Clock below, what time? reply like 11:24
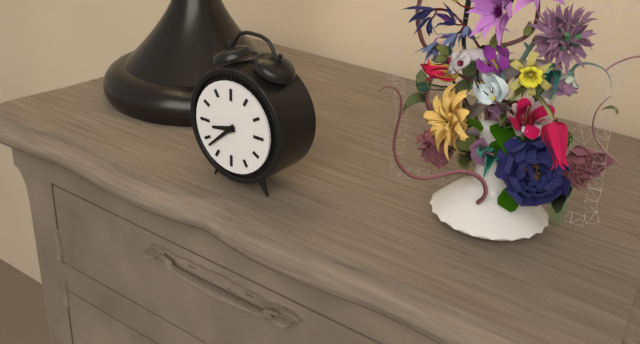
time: 8:38
